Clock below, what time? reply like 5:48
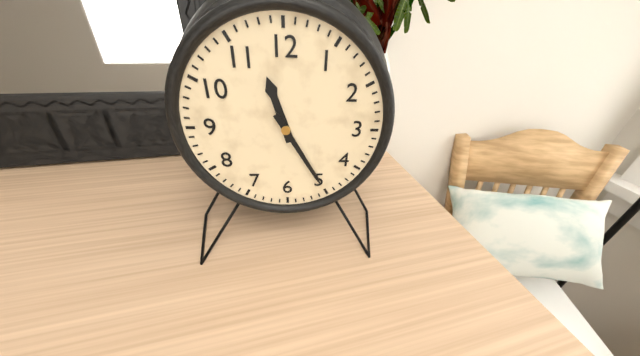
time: 11:25
